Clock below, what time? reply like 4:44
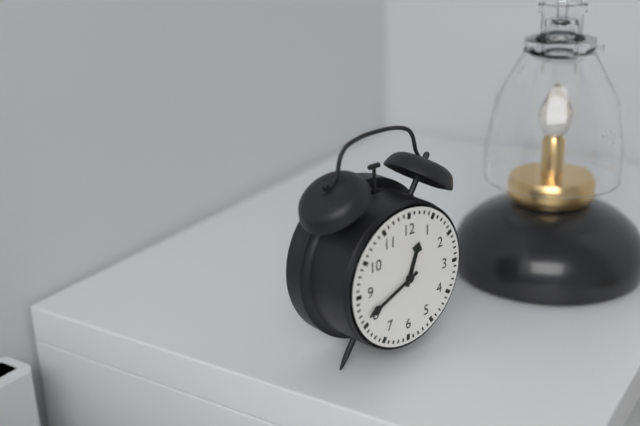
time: 12:41
